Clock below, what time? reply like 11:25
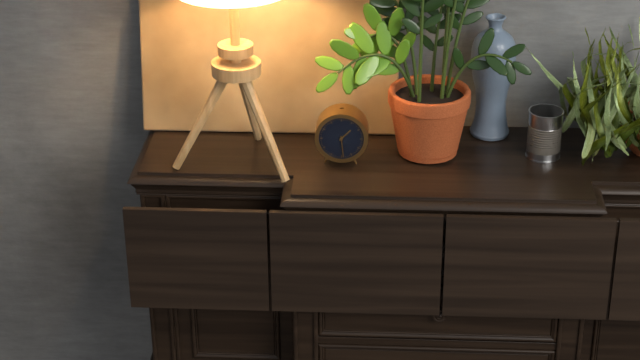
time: 1:29
